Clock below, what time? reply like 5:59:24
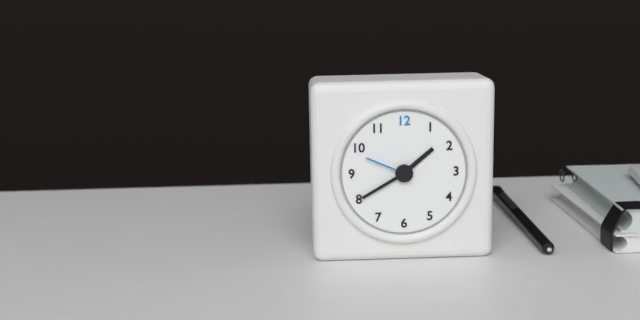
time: 1:40:49
